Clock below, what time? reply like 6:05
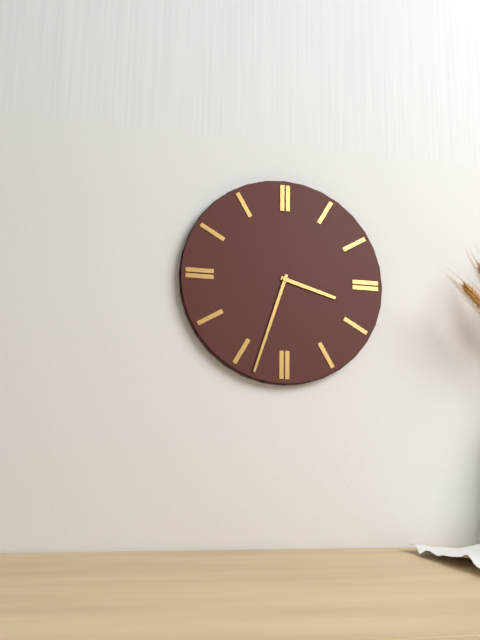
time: 3:33
